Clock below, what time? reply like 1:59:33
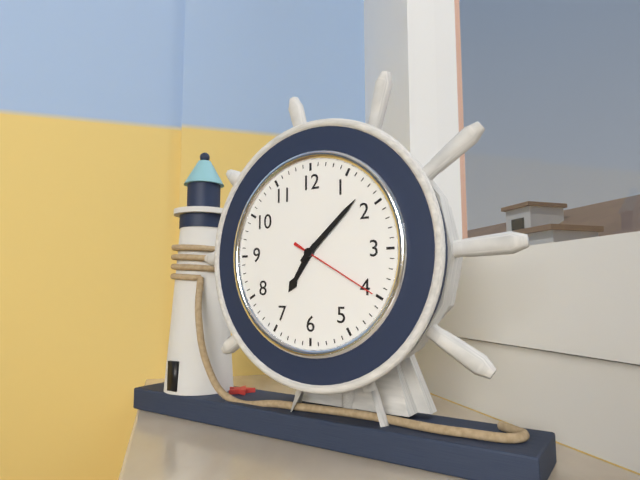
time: 7:08:20
